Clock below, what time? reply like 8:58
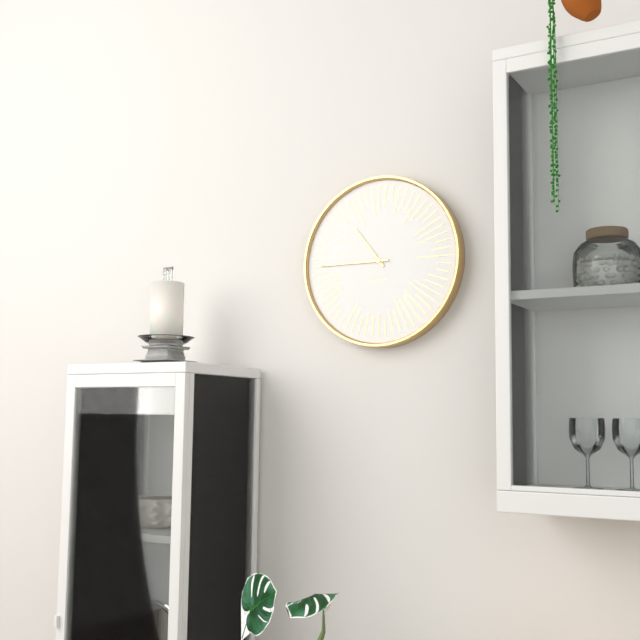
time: 10:45
